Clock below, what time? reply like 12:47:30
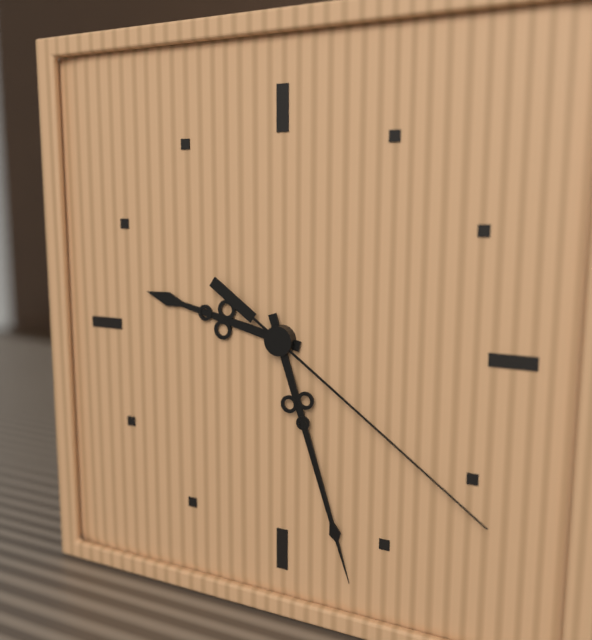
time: 9:27:21
